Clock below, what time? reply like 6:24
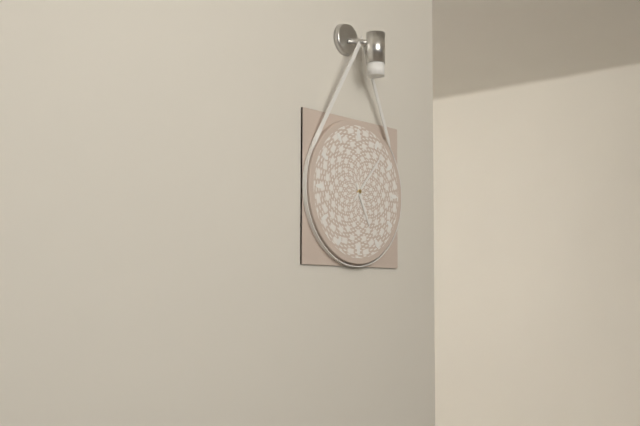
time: 5:07
